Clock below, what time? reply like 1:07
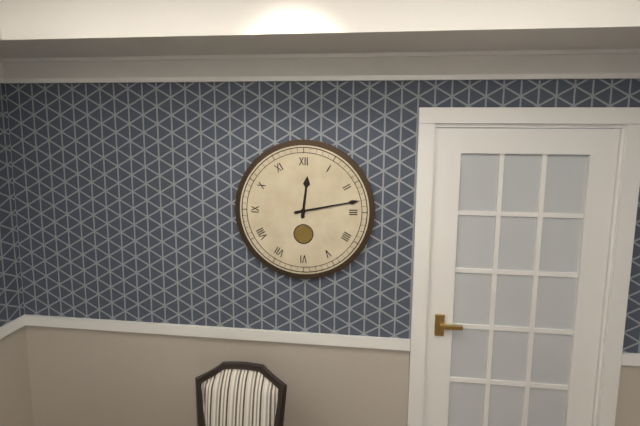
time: 12:13
